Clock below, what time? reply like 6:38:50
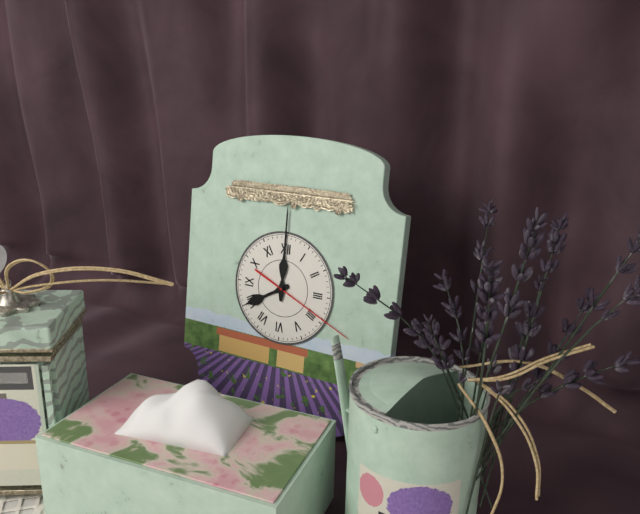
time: 8:00:19
